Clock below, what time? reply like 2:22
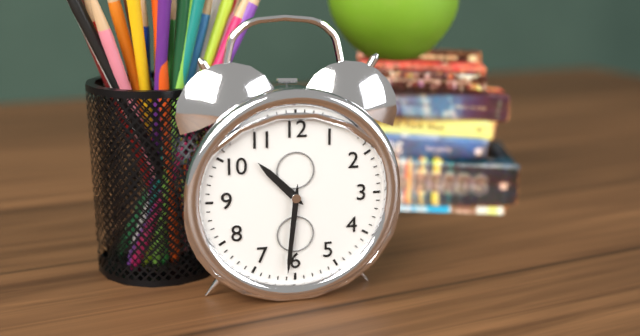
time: 10:31
